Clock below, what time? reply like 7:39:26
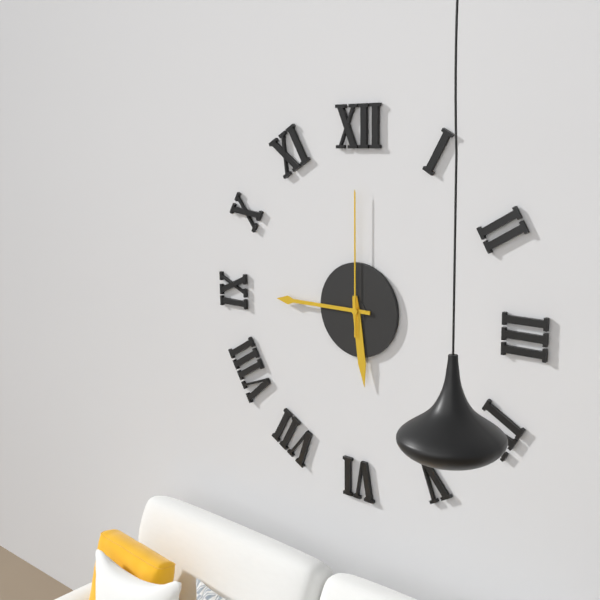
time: 5:45:00
